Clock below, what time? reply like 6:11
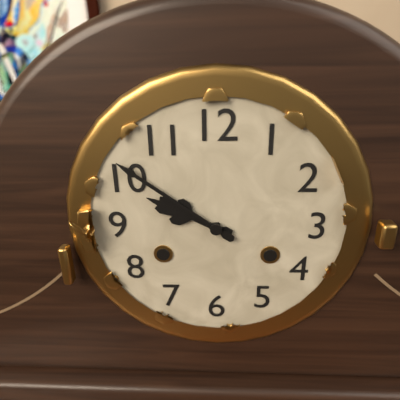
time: 9:51
